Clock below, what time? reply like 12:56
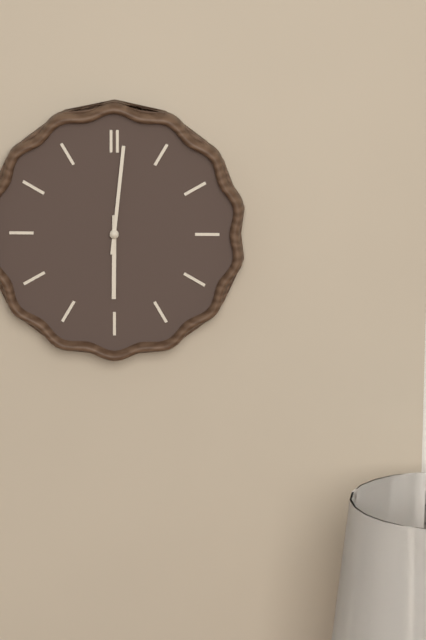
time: 6:01
